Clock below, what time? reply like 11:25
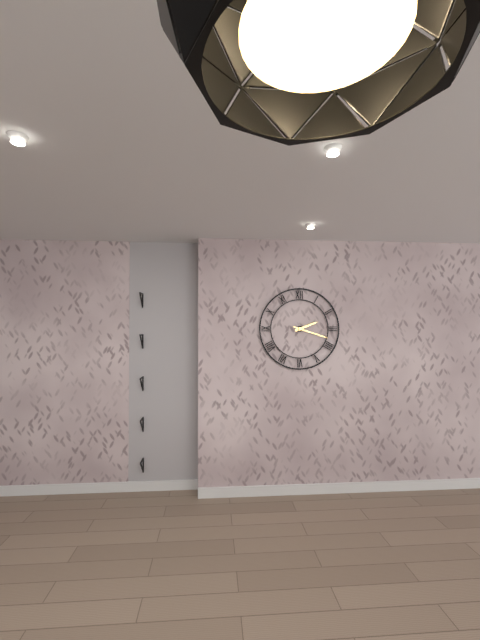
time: 2:18
